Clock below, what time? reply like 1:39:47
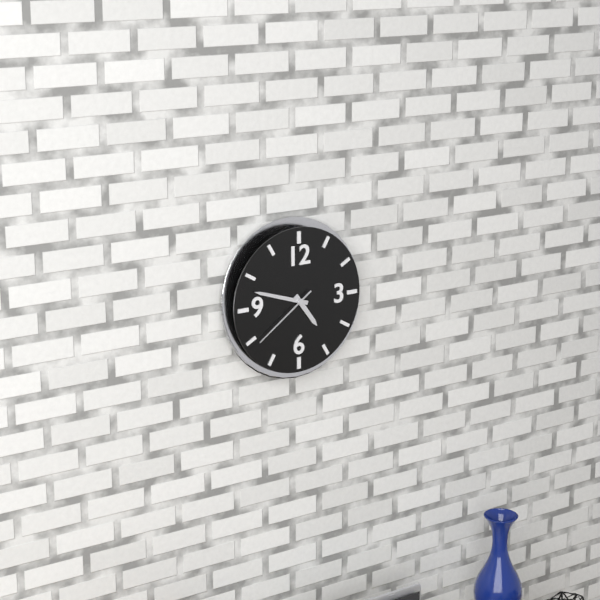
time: 4:48:39
